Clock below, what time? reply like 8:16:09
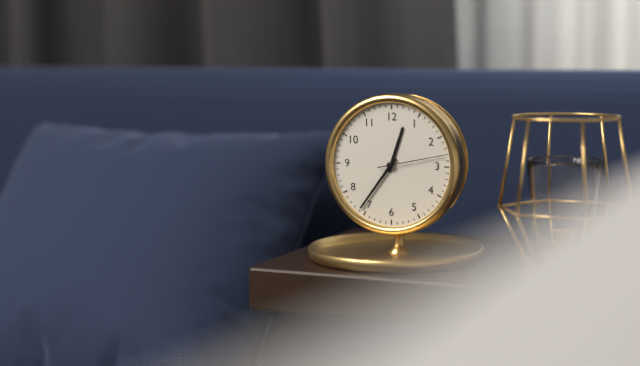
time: 12:36:13
